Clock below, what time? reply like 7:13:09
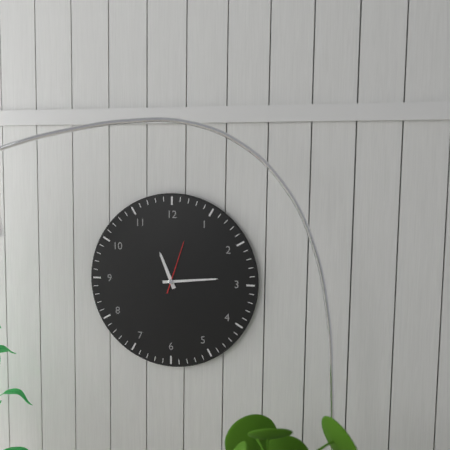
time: 11:14:03
